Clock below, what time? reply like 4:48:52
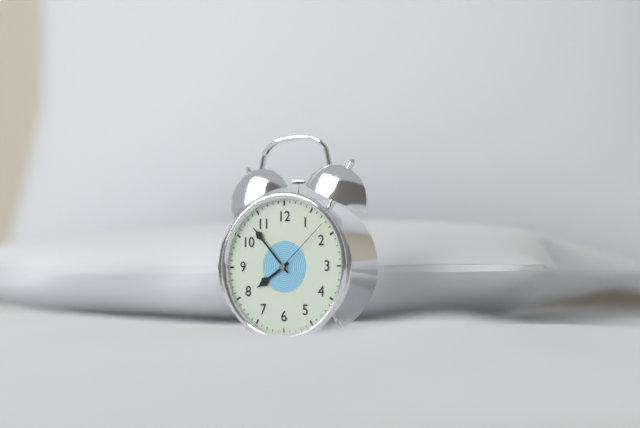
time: 7:53:08
